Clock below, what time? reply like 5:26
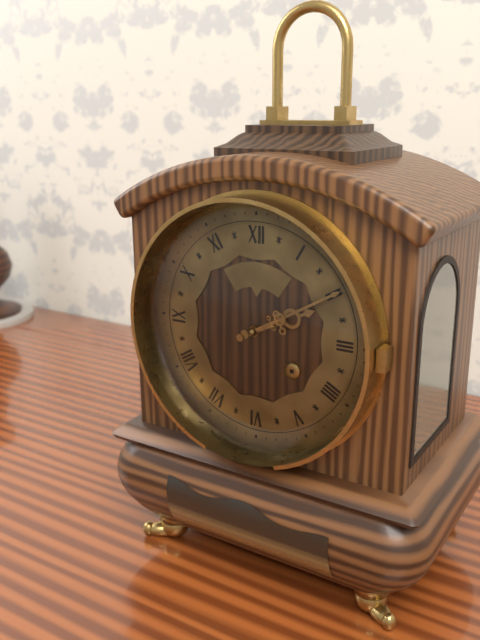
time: 2:10
